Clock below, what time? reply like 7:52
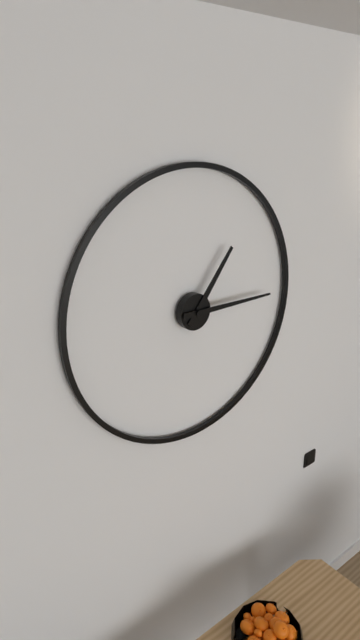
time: 1:15
